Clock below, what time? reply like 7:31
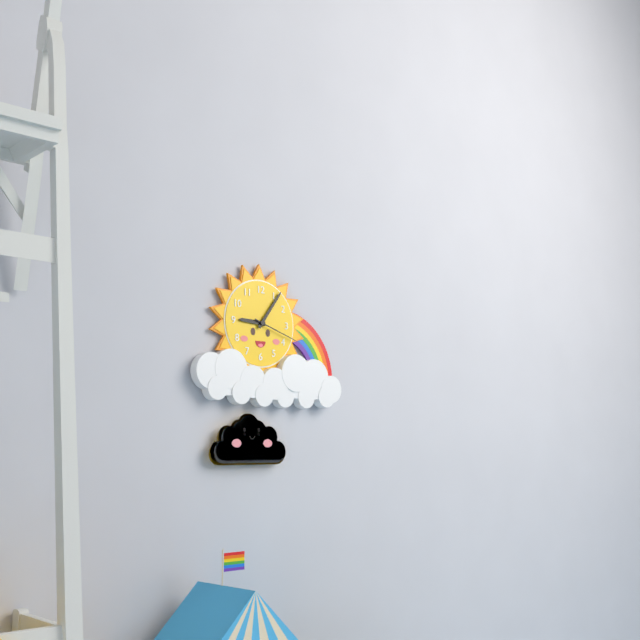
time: 9:06
